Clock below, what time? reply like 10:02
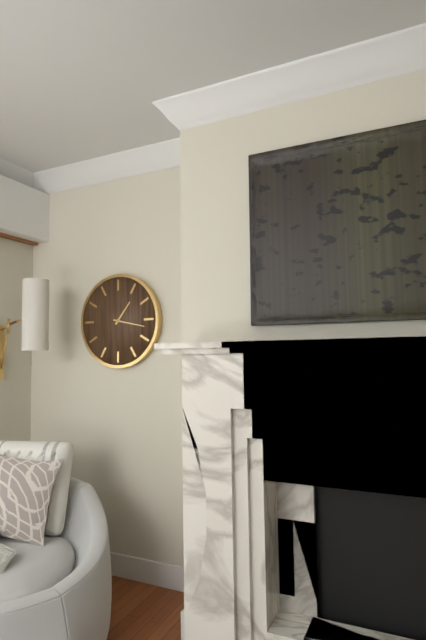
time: 1:17
